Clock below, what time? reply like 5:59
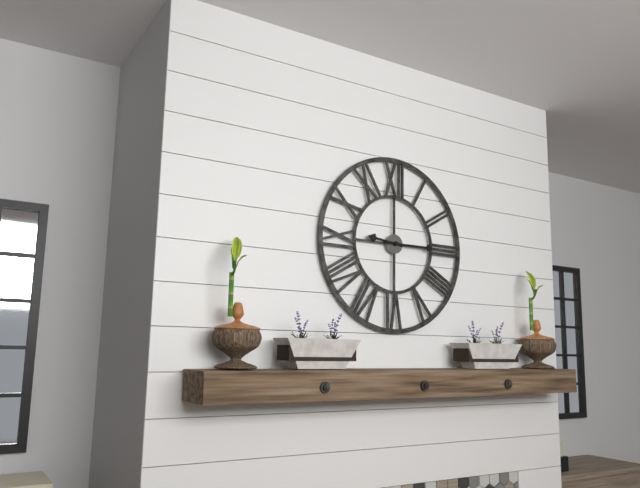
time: 9:15
